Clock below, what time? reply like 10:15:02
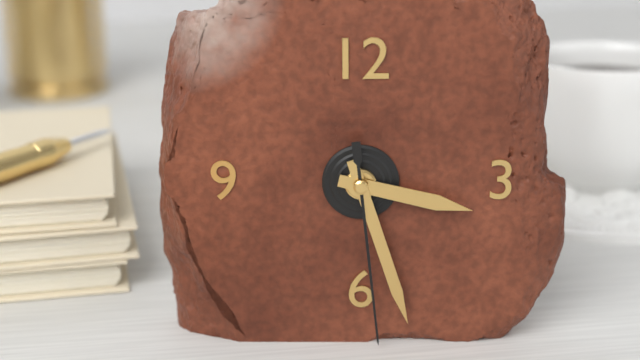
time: 3:27:29
